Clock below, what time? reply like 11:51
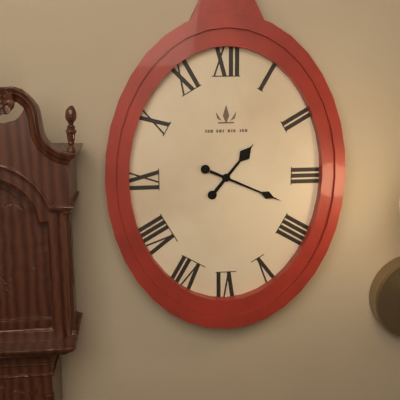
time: 1:19
